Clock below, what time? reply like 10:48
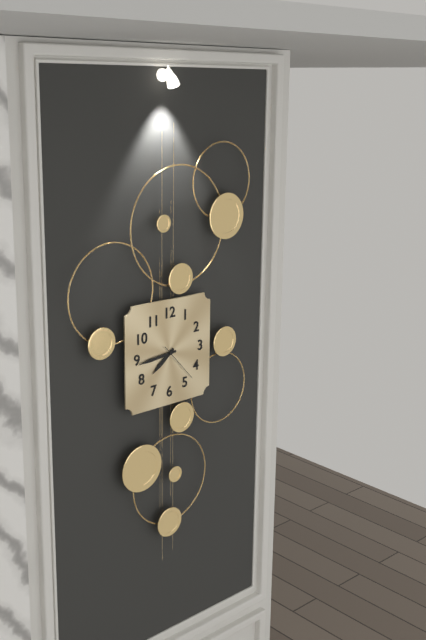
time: 7:44
